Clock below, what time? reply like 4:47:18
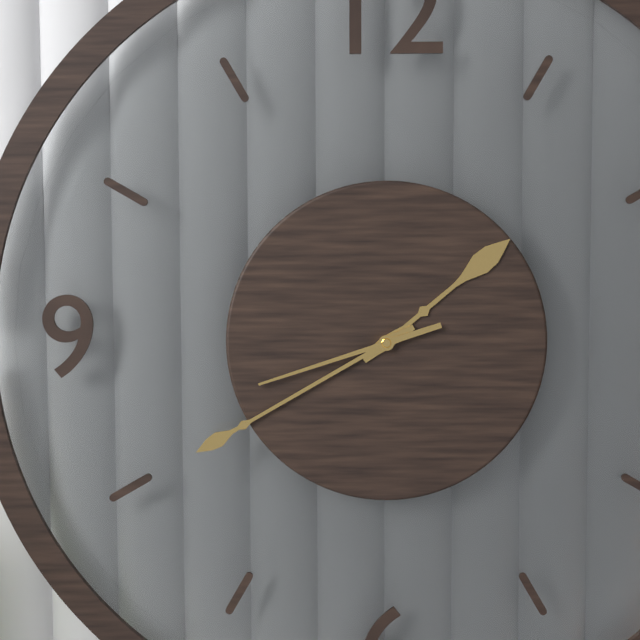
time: 1:40:42
